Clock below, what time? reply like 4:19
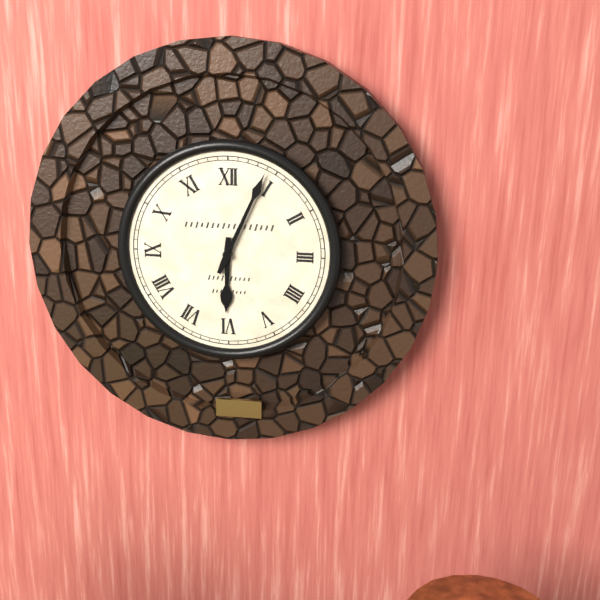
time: 6:04
